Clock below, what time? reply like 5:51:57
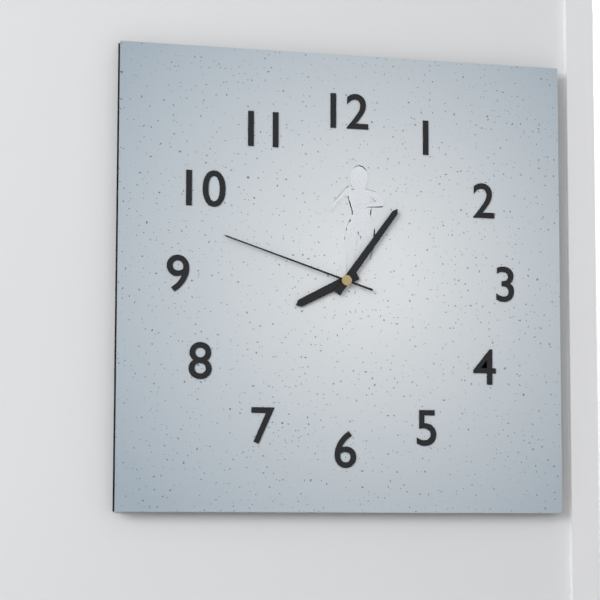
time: 8:06:48
